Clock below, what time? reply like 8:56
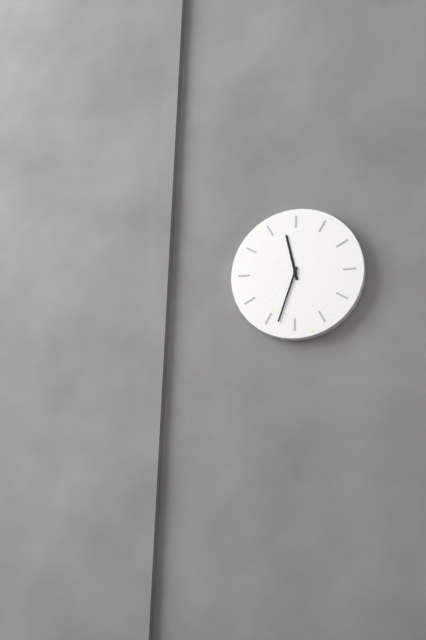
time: 11:33
